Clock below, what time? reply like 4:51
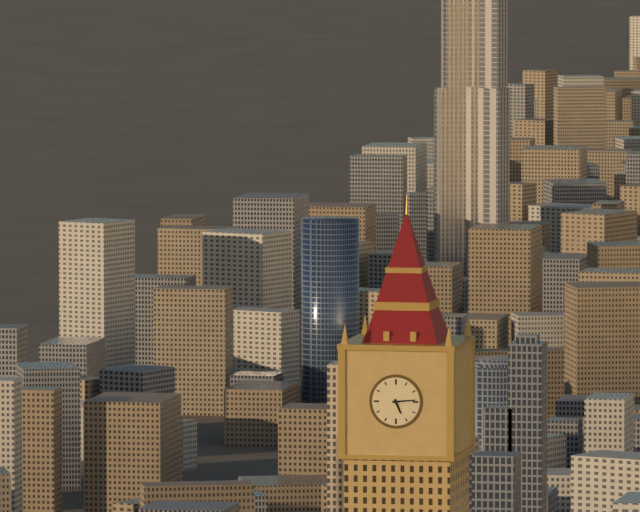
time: 5:14
